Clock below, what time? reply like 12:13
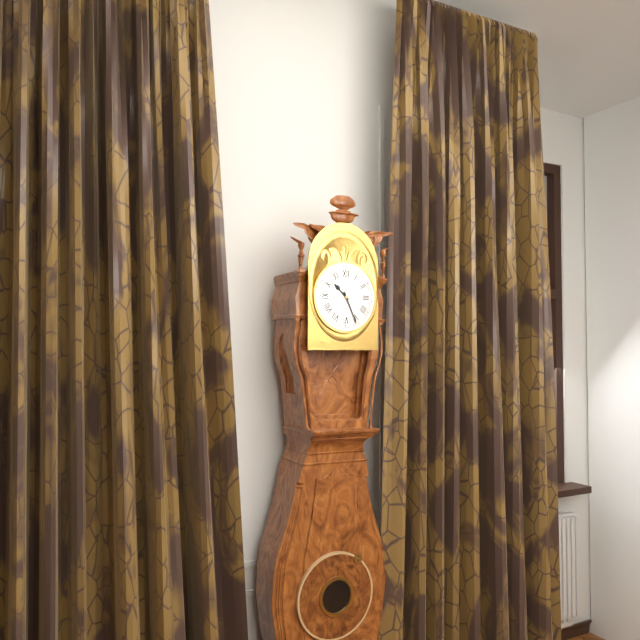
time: 10:26
